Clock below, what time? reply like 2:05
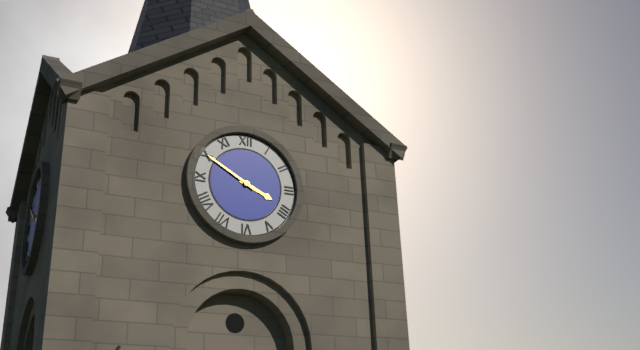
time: 3:50
